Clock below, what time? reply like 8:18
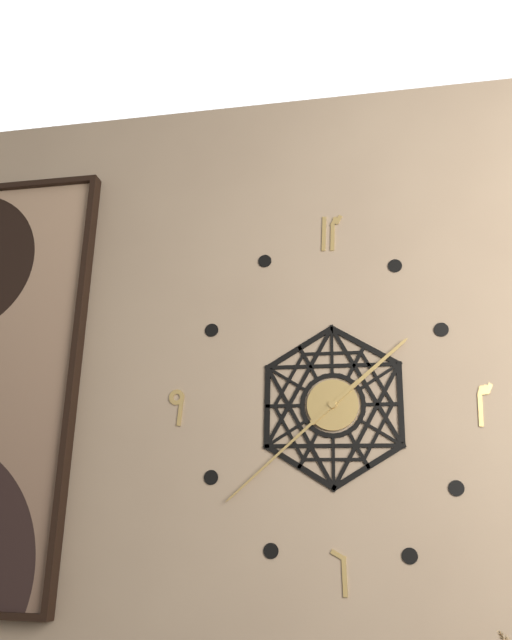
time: 1:38
